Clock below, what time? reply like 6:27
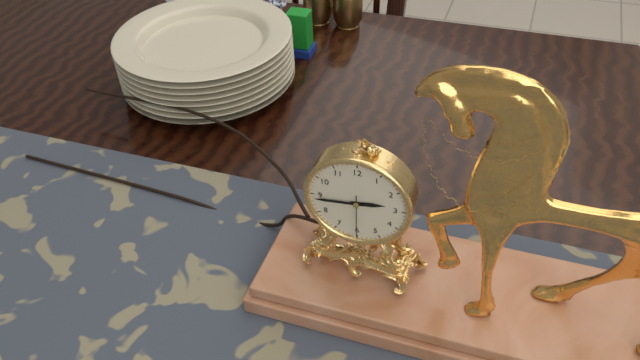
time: 2:44
